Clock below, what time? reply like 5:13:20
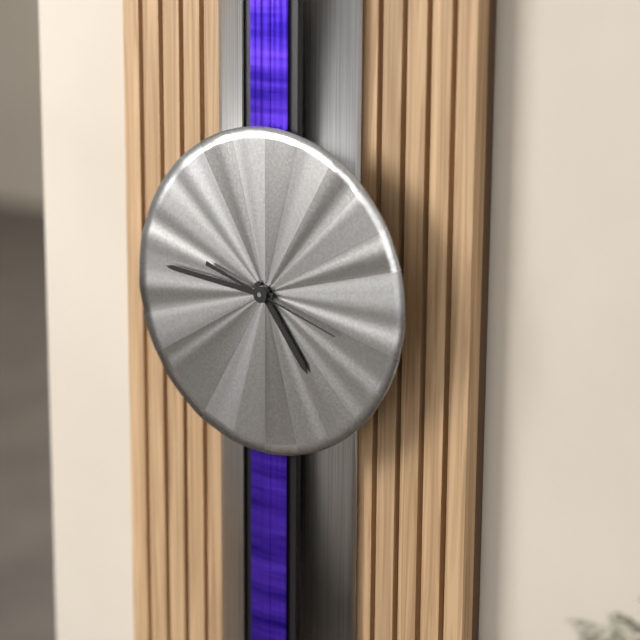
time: 4:46:18
